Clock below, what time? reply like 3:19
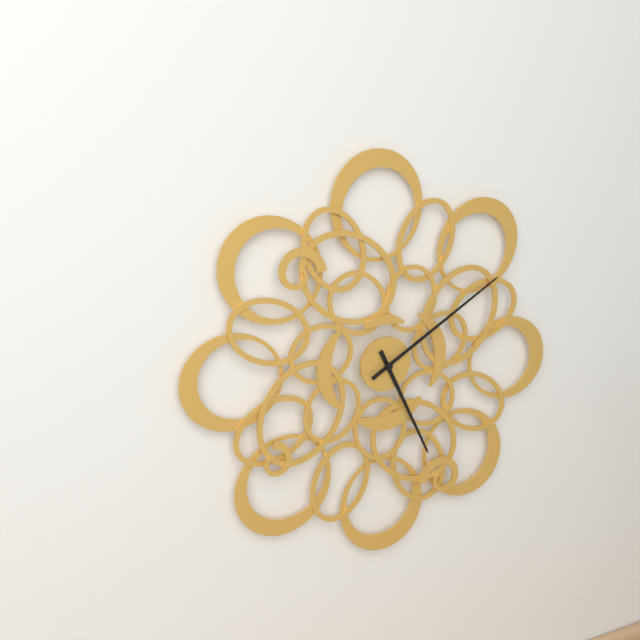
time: 5:10
